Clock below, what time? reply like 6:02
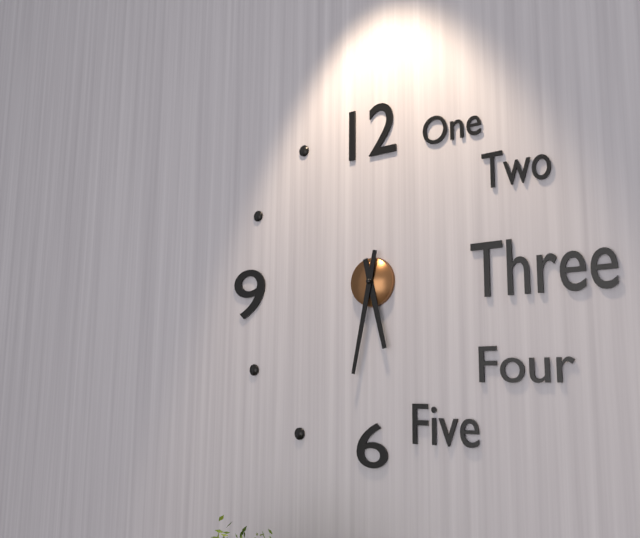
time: 5:32
